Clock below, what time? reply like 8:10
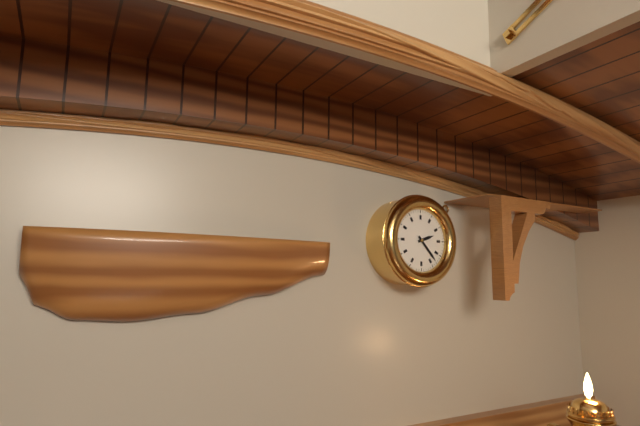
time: 2:23
